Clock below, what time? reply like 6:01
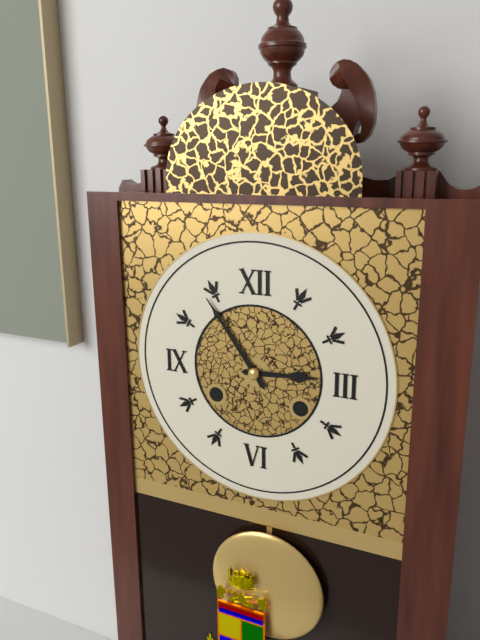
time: 2:54
